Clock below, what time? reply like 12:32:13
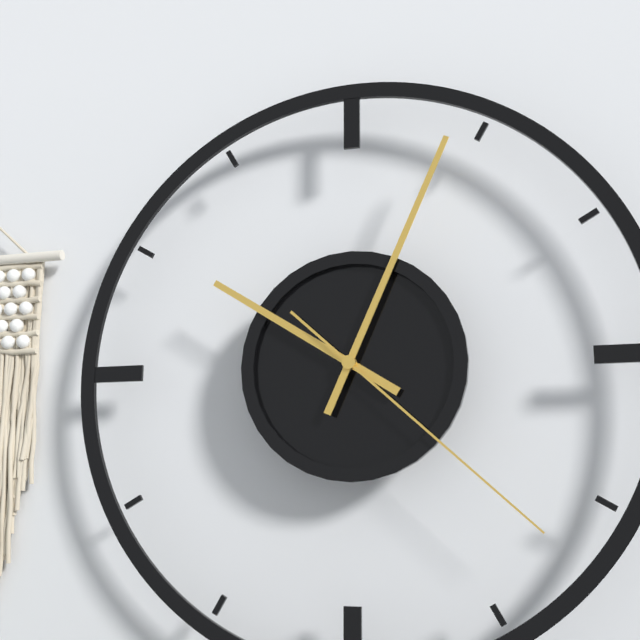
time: 10:04:22
